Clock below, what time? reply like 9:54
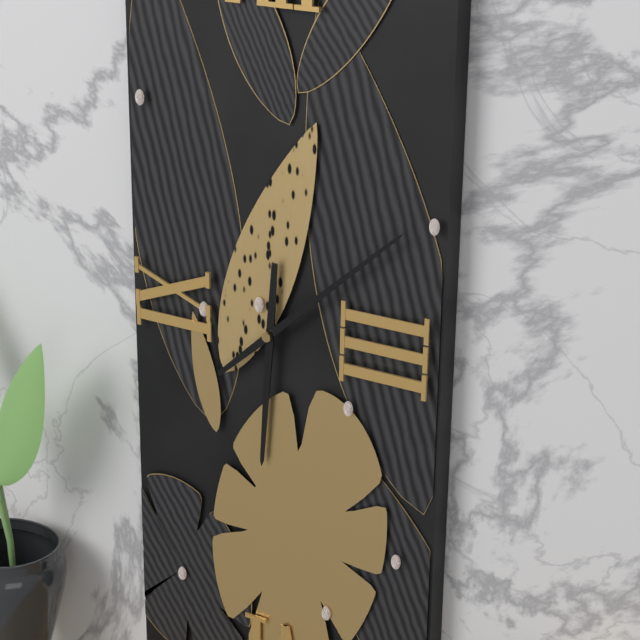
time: 6:08
